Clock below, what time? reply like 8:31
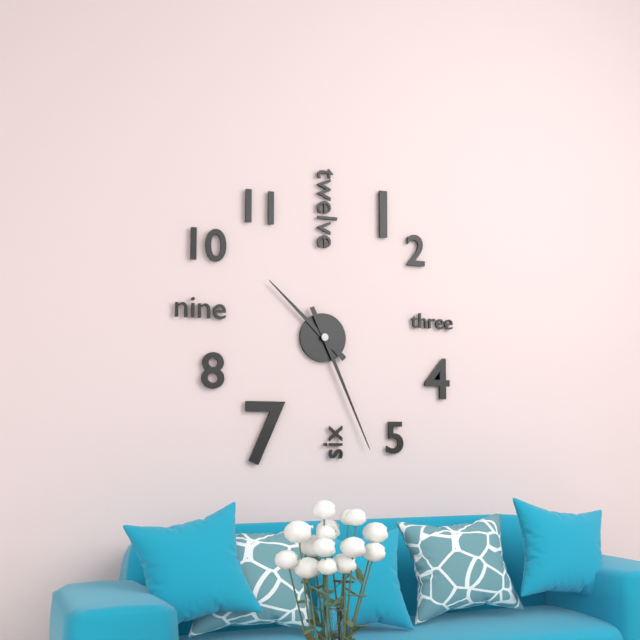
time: 10:26
